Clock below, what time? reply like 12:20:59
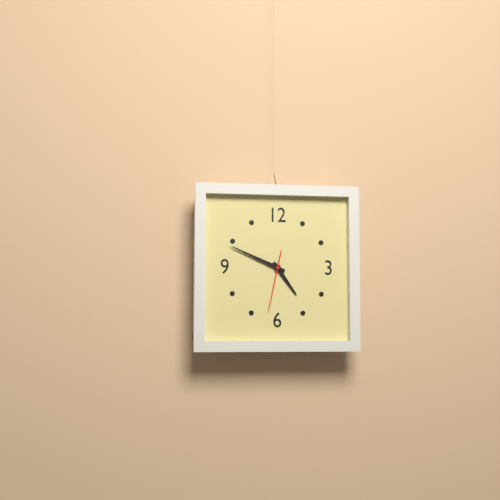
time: 4:49:32
